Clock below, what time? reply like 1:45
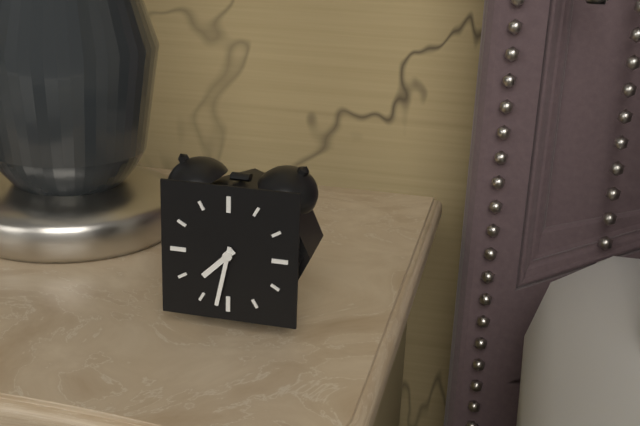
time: 7:32
